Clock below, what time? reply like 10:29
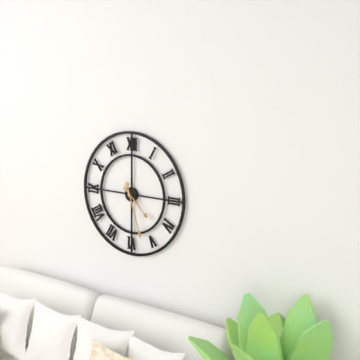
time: 4:27
